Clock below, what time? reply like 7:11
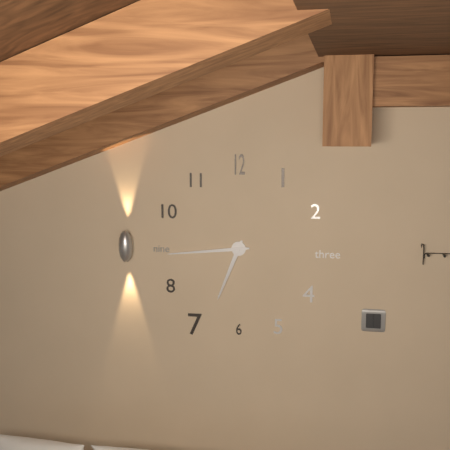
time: 6:44
